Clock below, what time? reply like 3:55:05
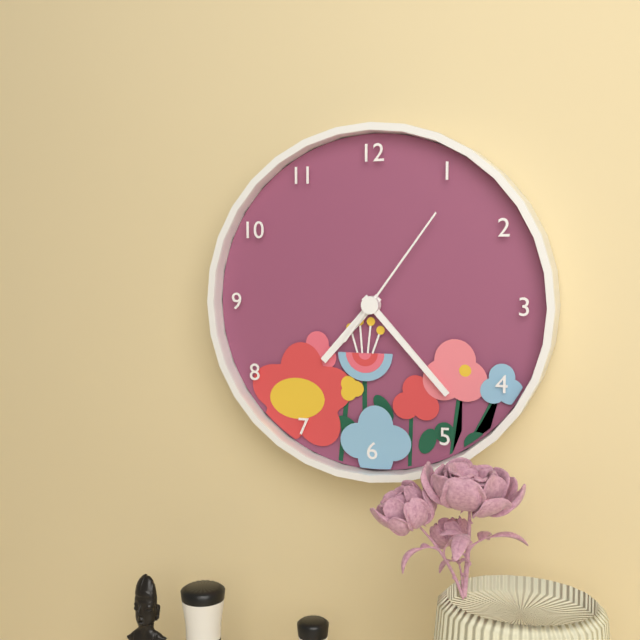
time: 7:23:06
